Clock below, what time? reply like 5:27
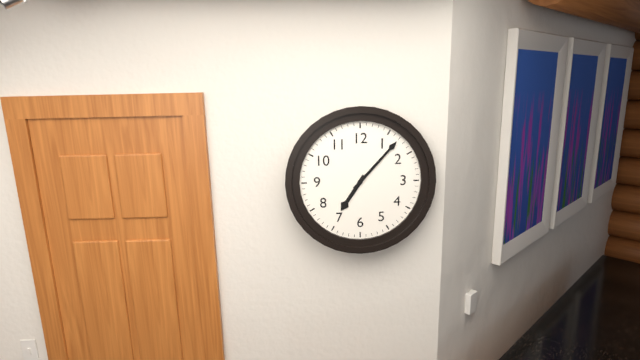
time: 7:07
